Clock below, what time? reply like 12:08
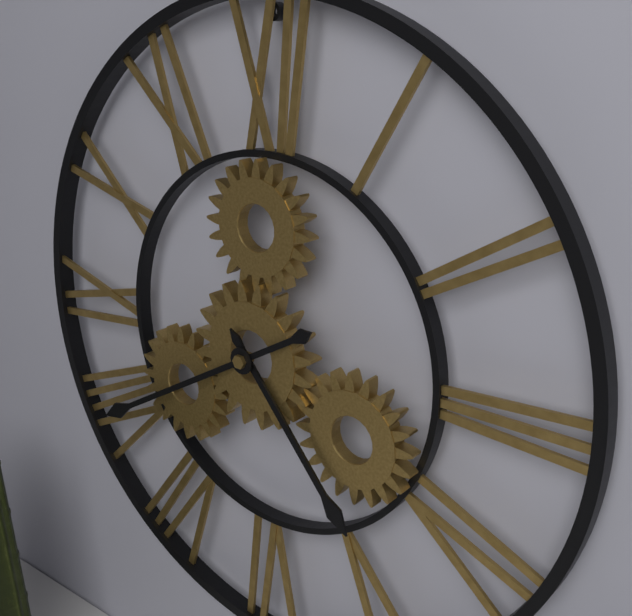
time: 4:40
